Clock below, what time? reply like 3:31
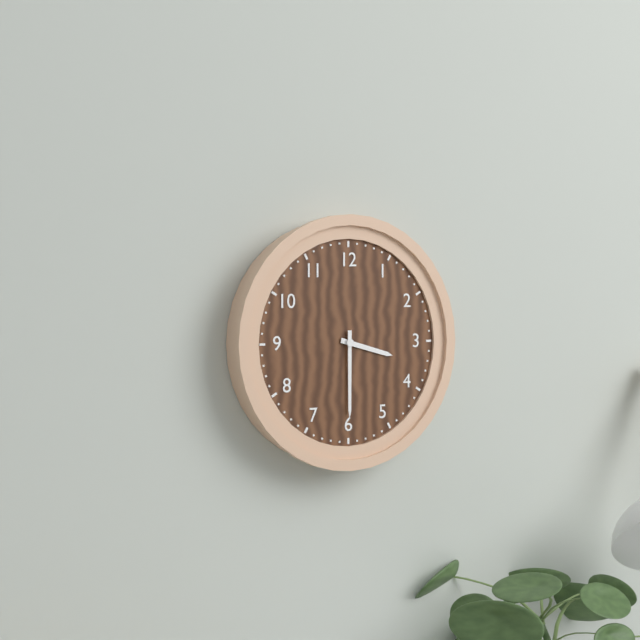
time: 3:30
